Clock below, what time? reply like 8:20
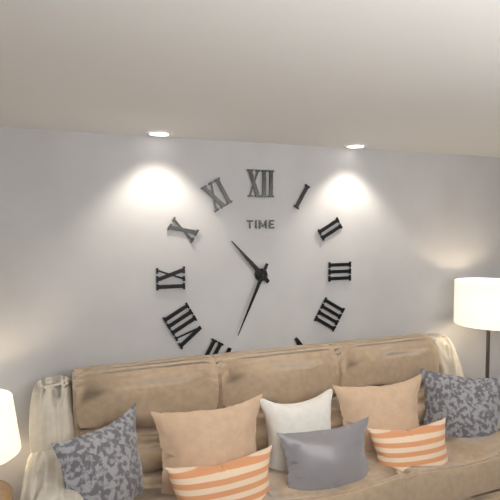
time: 10:34
